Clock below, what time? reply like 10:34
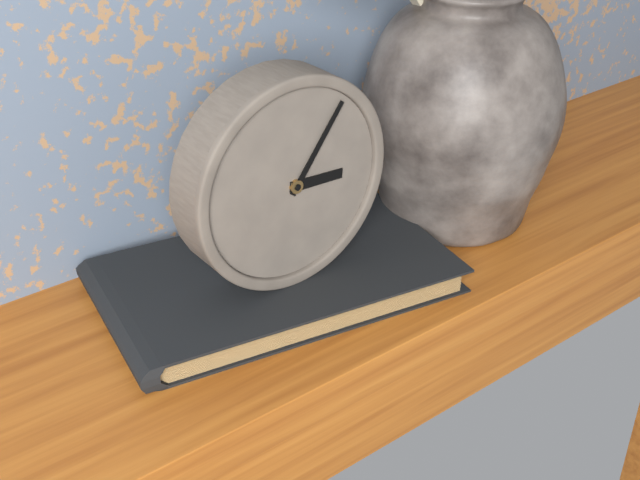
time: 3:06
